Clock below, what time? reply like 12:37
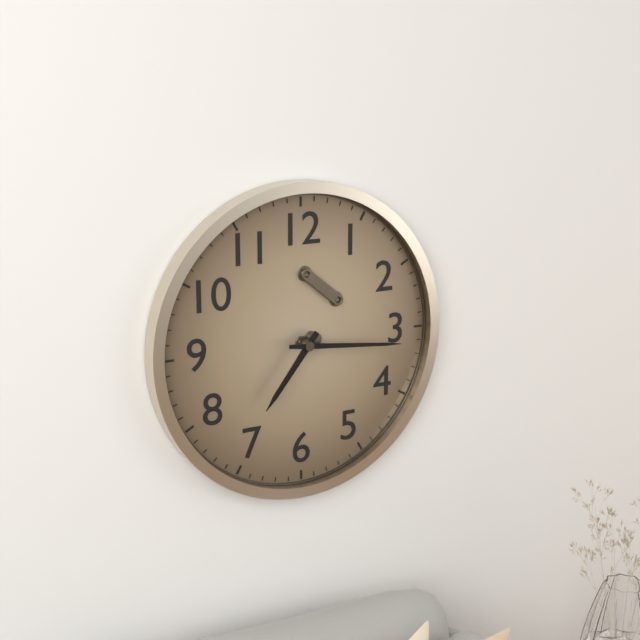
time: 7:16
